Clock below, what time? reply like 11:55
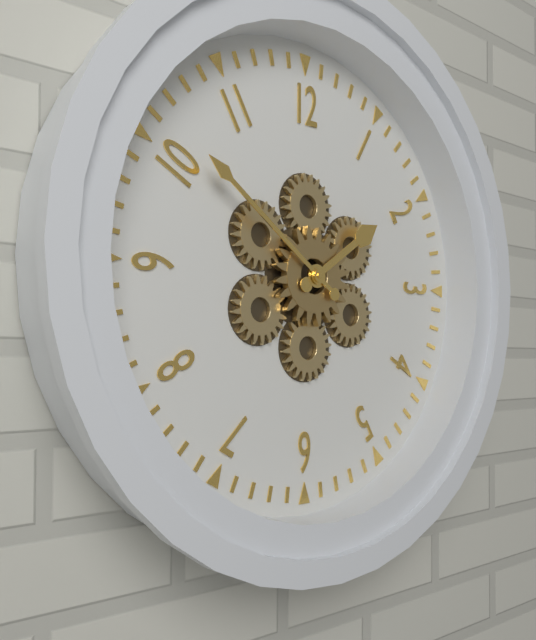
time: 1:51
